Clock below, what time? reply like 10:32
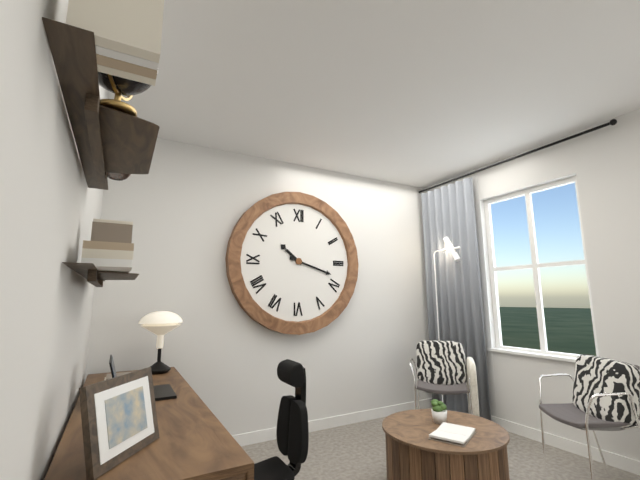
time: 10:18
